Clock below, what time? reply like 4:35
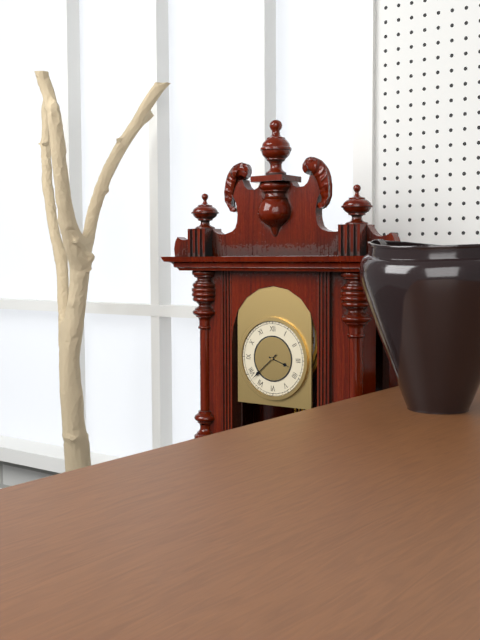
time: 3:38
